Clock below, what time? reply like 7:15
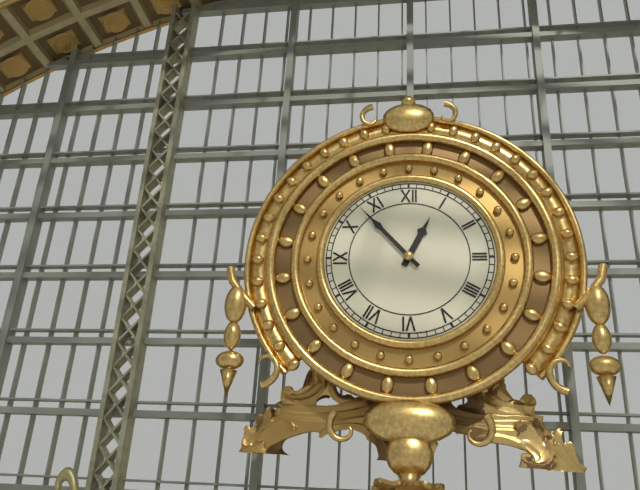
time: 12:53
